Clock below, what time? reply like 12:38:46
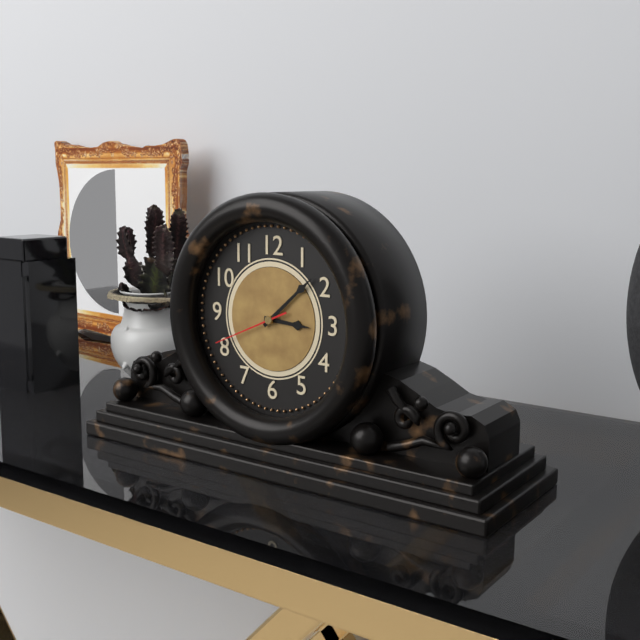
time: 3:08:41
